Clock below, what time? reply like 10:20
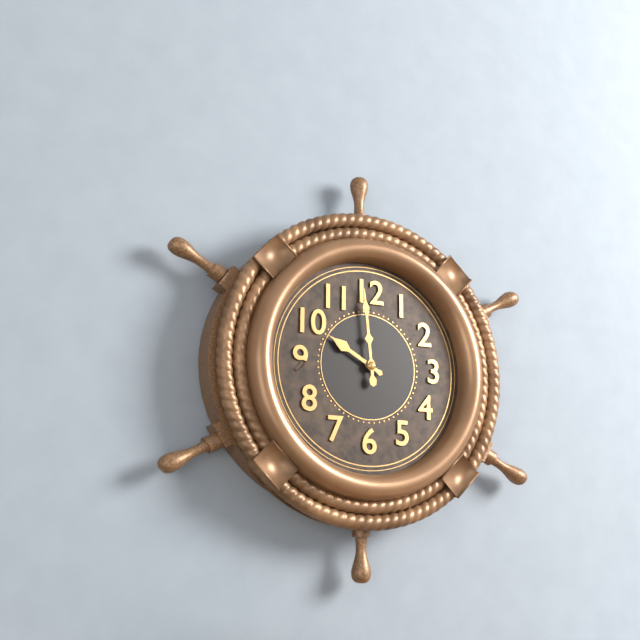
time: 9:59
